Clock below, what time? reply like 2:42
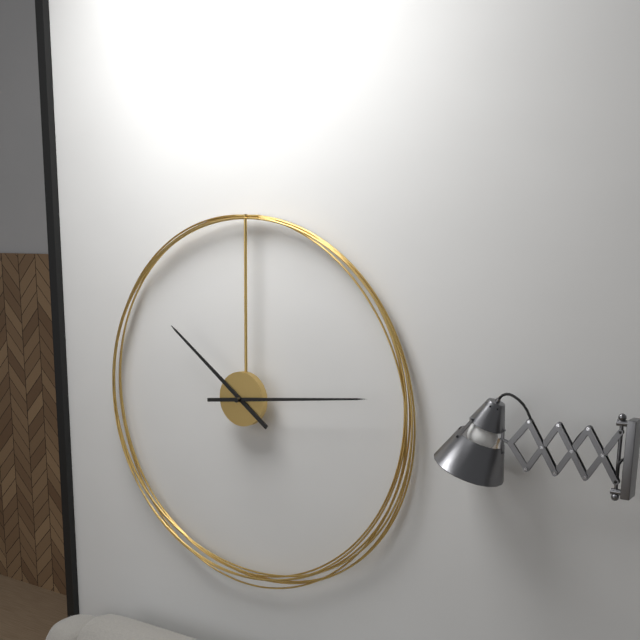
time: 10:14
